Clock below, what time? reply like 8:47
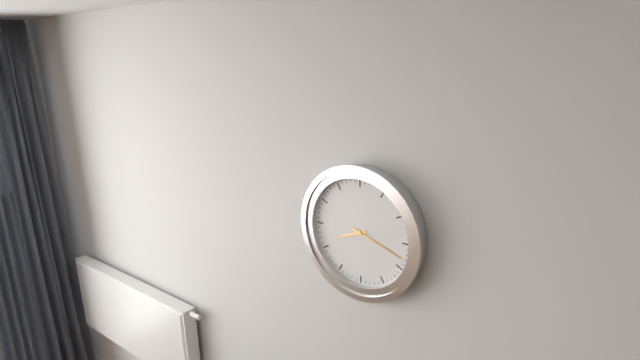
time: 8:18
